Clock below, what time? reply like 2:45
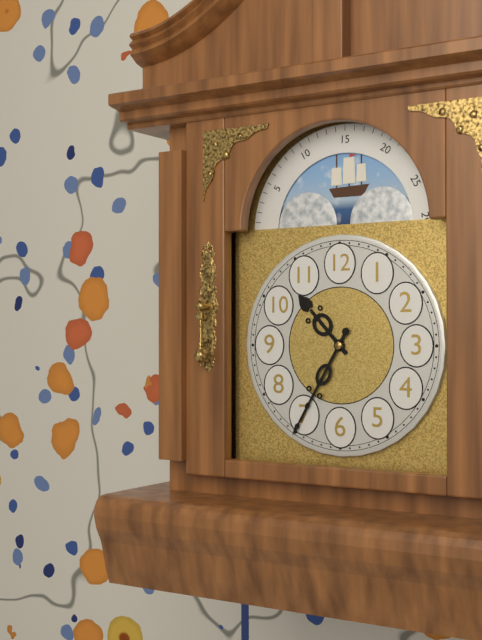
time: 10:35
